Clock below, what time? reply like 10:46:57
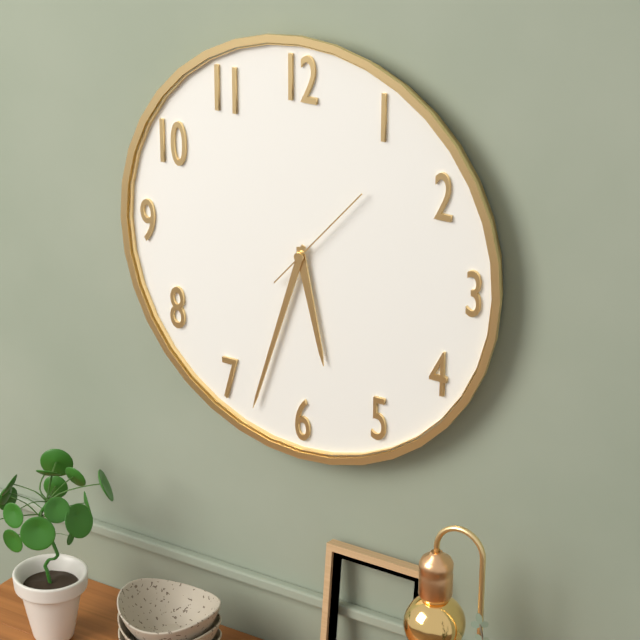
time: 5:33:07
